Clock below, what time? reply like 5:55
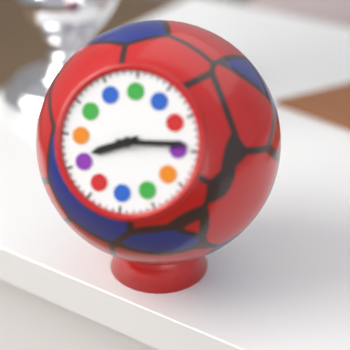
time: 8:14
